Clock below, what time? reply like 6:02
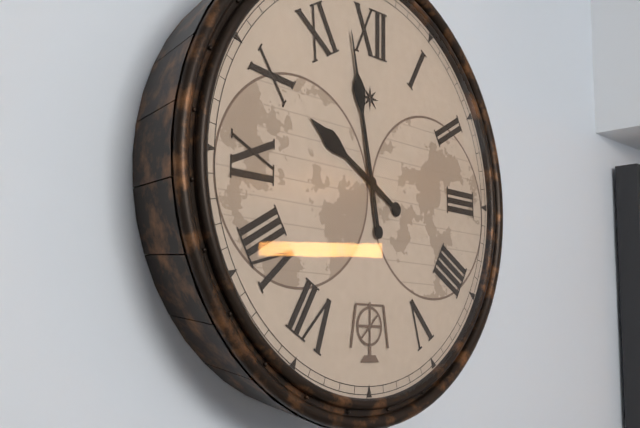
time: 9:58
